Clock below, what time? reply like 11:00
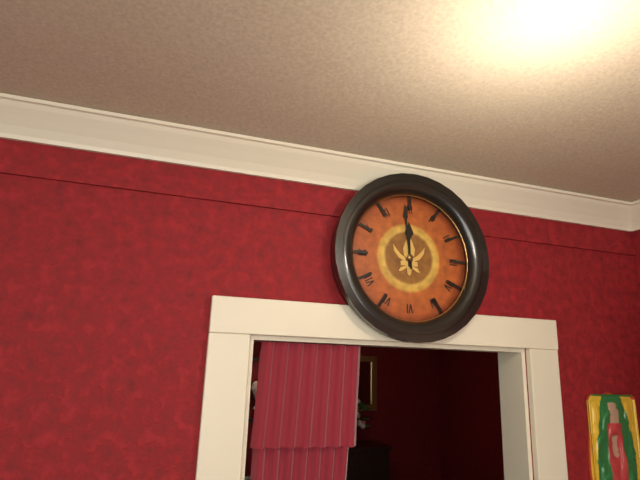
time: 11:59
